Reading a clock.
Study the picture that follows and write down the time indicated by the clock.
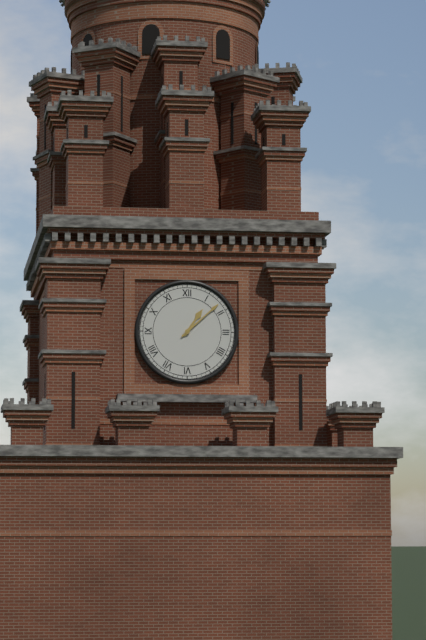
1:08
